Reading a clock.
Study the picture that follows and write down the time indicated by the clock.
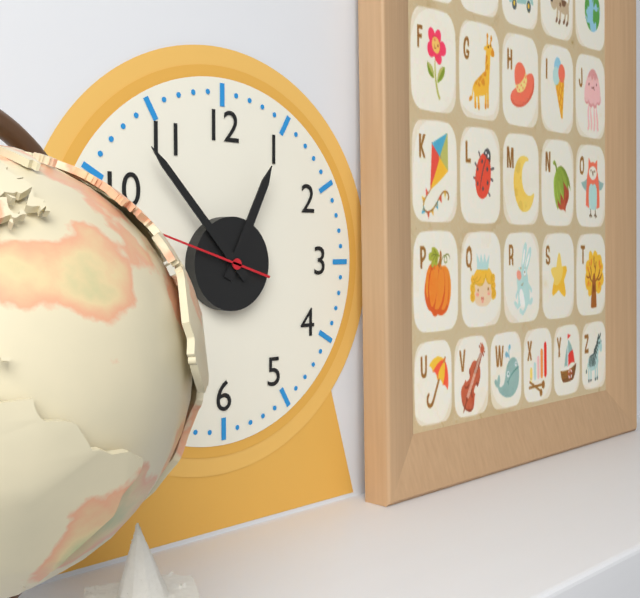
12:53:48
